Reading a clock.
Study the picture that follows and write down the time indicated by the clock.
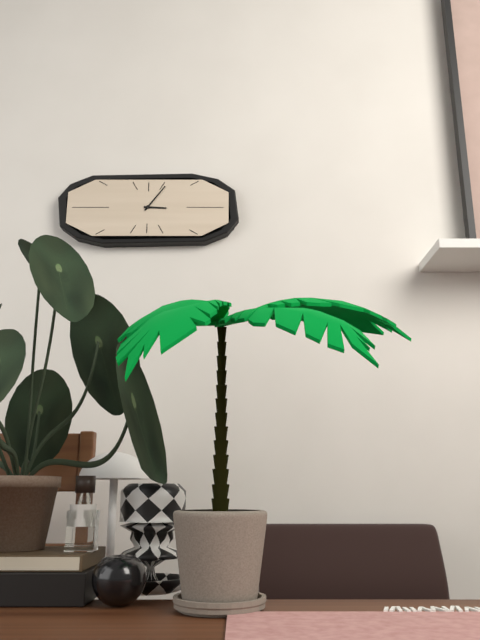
3:06
